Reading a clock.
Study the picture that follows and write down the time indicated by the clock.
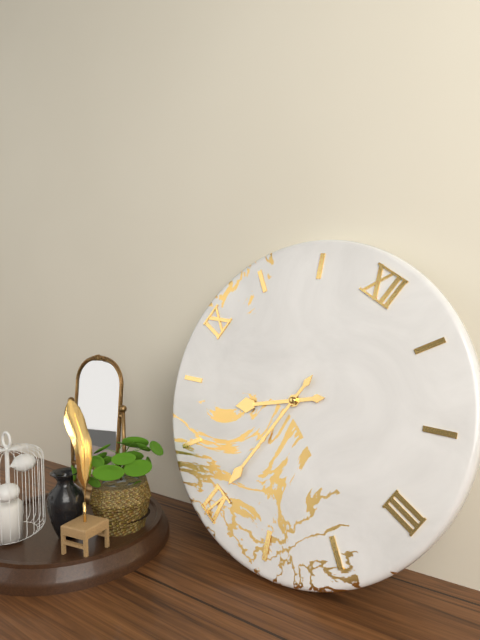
7:30
